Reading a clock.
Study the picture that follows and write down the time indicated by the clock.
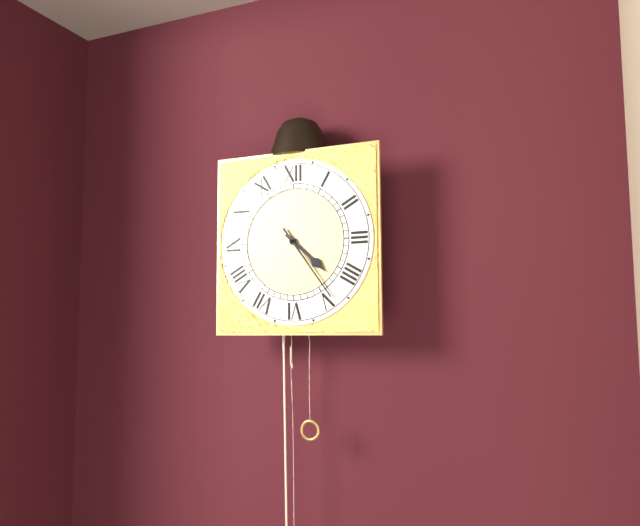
4:24
